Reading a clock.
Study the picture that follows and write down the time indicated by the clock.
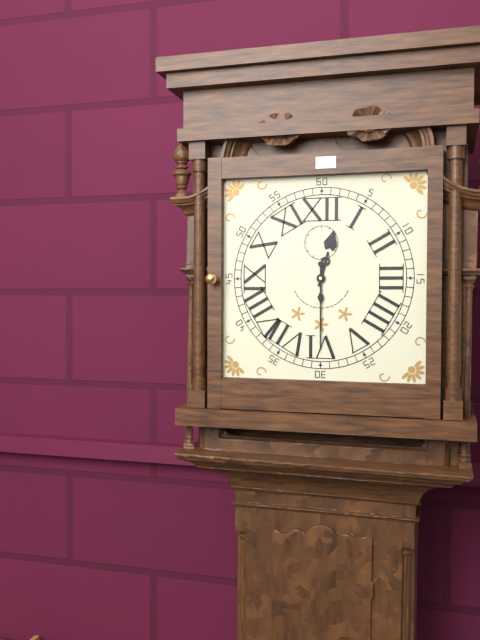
12:30
